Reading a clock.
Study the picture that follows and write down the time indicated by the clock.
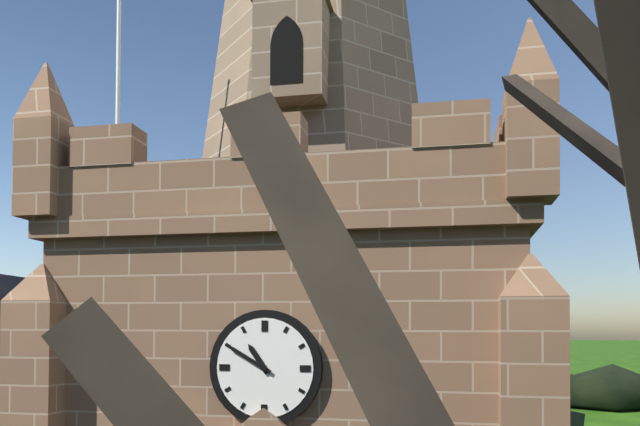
10:50
